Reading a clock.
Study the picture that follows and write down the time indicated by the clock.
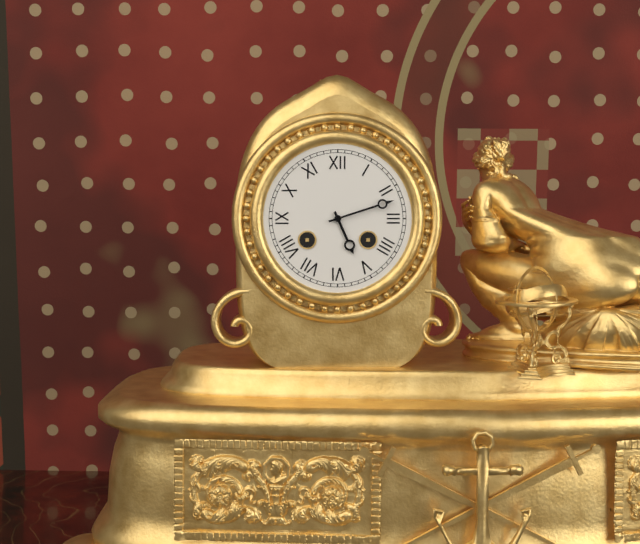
5:12
